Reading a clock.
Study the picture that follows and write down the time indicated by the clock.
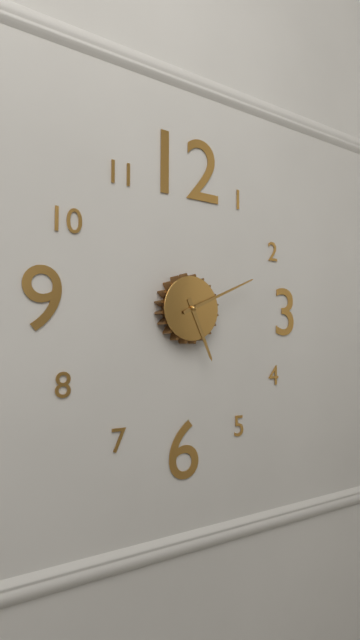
5:11
